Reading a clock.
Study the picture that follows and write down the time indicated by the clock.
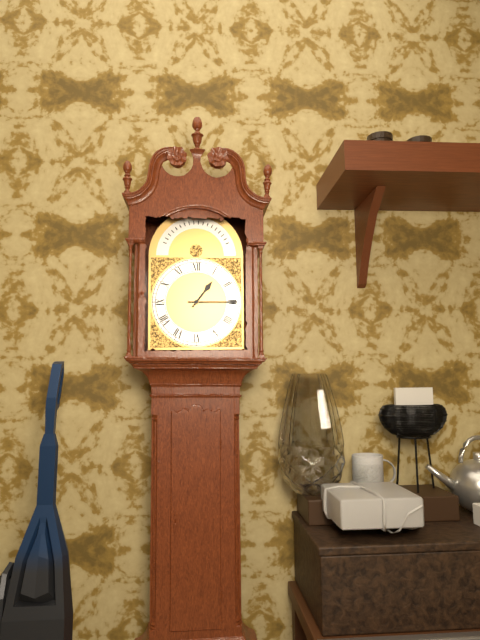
1:15
